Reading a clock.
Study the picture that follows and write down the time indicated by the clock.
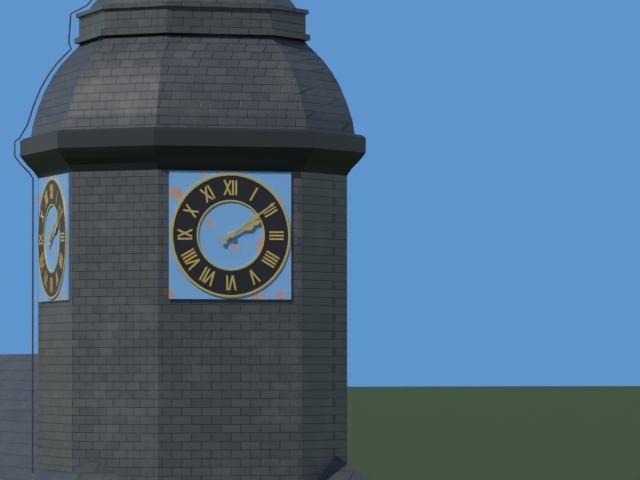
2:09
